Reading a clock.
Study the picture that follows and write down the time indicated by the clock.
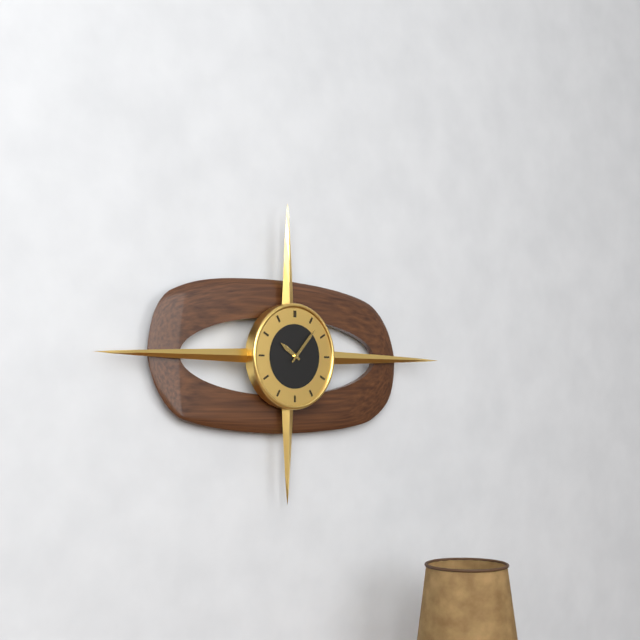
10:07
